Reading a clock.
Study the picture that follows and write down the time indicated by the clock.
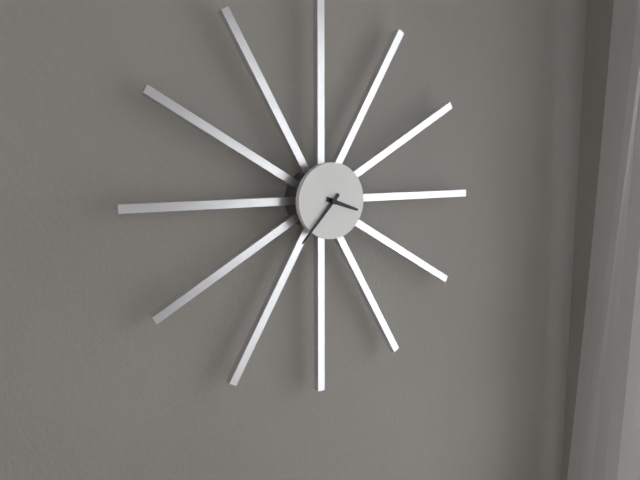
3:37
